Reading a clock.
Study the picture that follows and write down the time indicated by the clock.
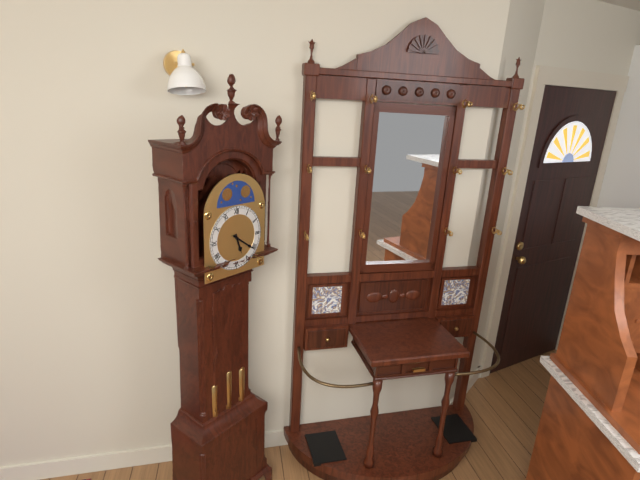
5:21
